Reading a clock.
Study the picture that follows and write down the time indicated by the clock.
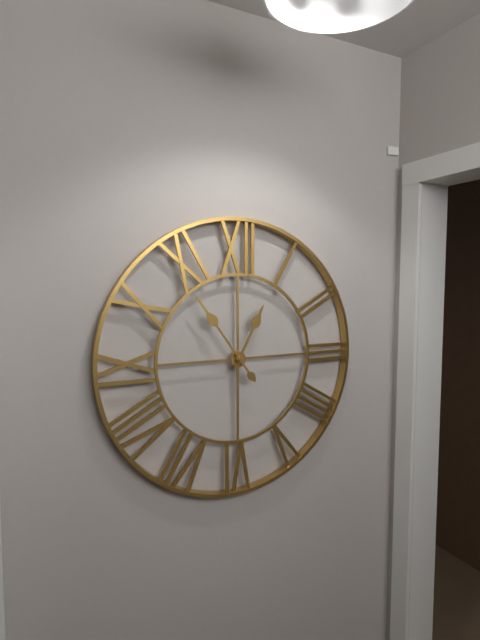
12:54
